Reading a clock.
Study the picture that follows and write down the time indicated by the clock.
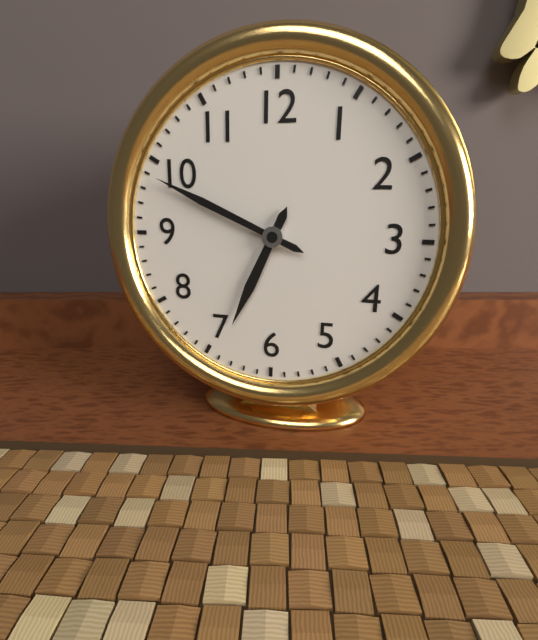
6:49
